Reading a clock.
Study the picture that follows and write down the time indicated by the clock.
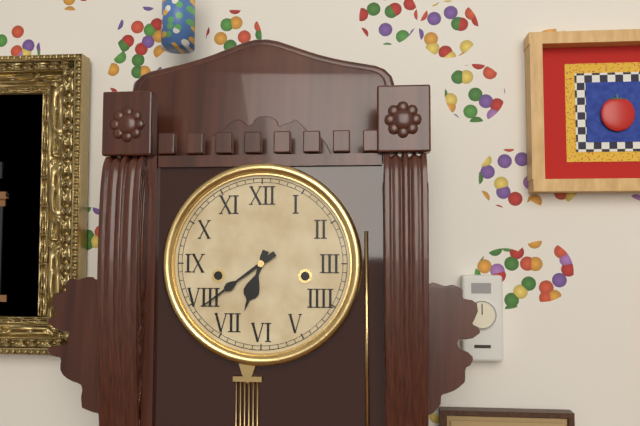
6:39
